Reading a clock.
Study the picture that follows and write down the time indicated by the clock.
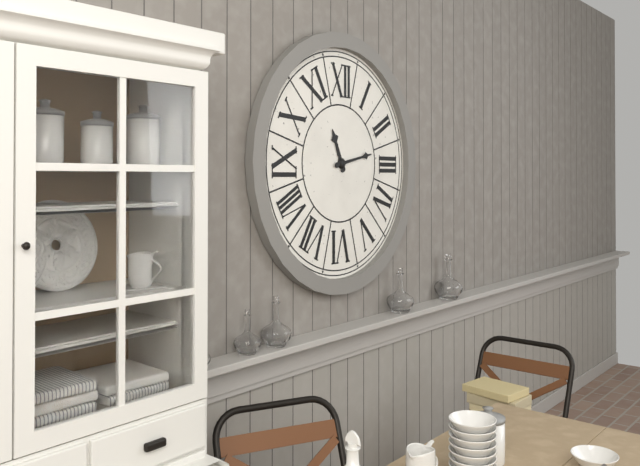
11:13
